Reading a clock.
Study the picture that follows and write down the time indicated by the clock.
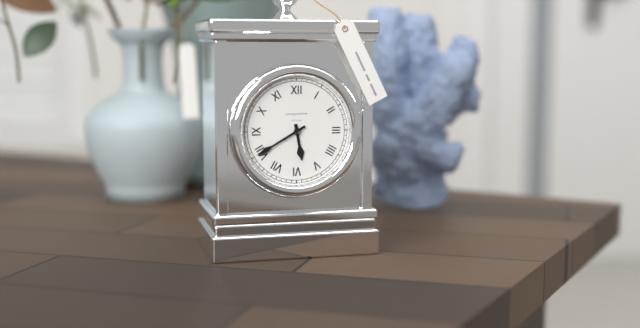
5:40
